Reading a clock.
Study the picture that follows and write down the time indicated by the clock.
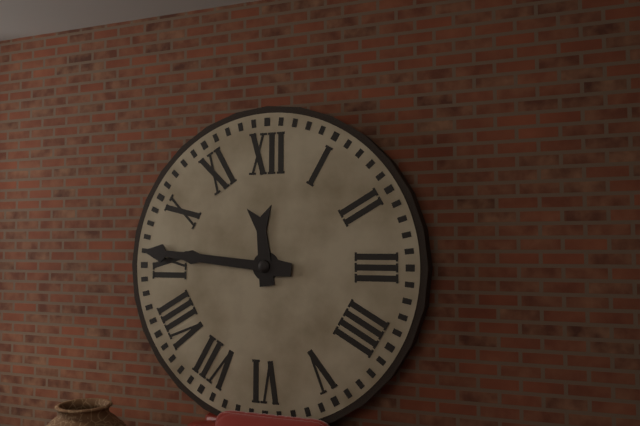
11:46
